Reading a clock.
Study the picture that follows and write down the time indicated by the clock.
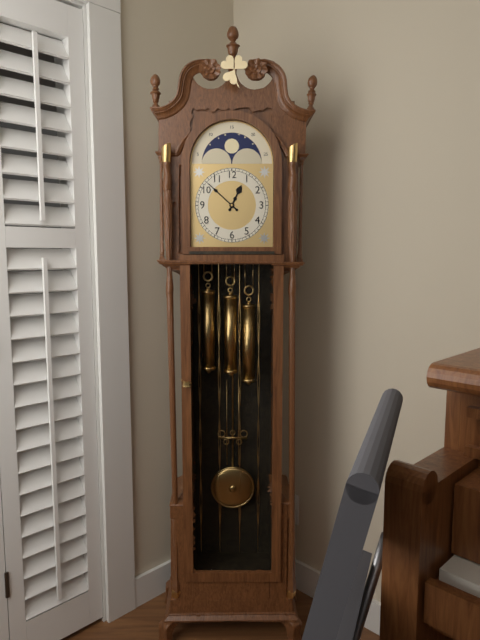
12:52
